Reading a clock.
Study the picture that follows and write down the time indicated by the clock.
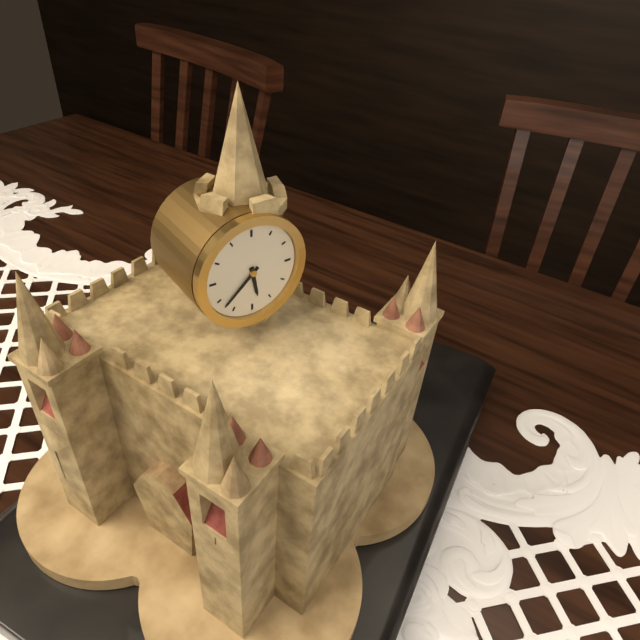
5:38
